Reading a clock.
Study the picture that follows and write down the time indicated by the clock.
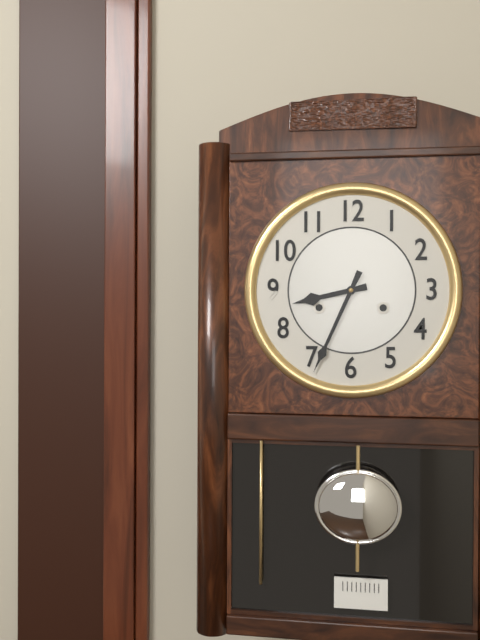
8:34
